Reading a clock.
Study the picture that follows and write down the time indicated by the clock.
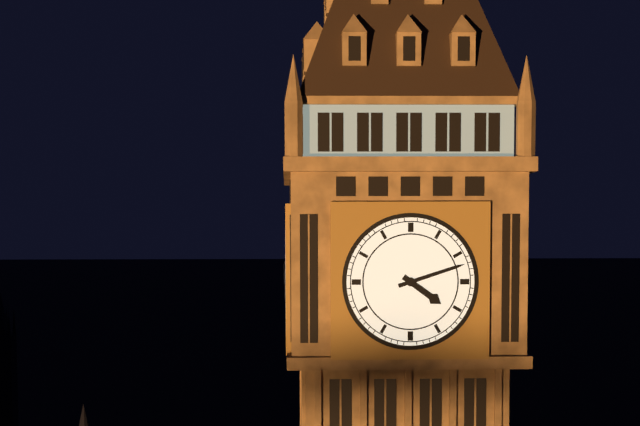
4:12
